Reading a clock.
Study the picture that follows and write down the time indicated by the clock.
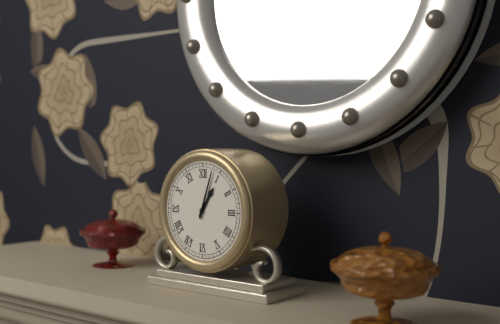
1:03
